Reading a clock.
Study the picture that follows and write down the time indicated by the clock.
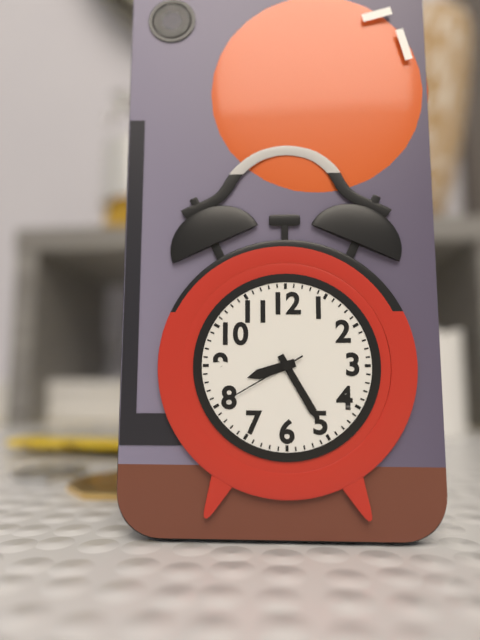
8:25:40
